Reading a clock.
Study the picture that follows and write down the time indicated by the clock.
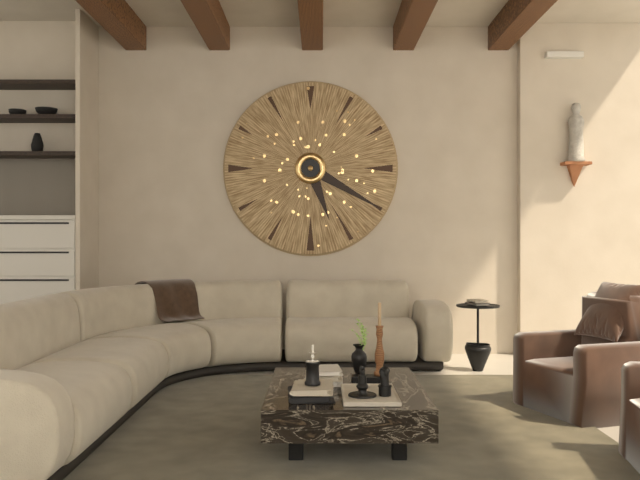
5:20
